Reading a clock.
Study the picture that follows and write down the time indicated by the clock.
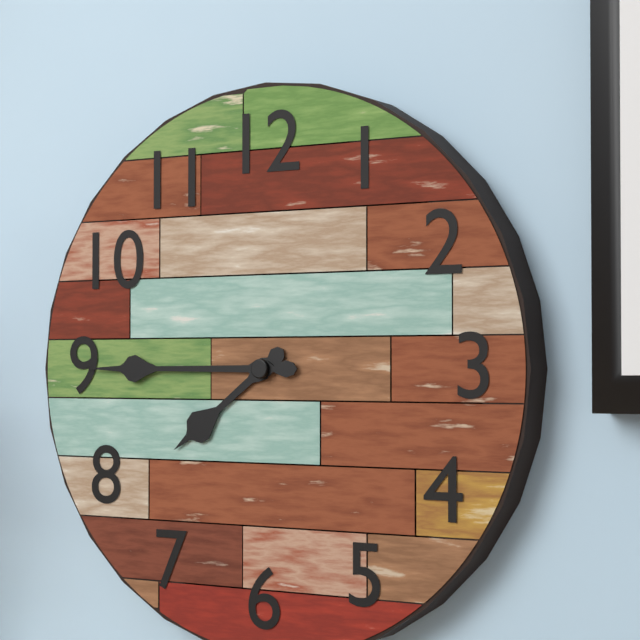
7:45
